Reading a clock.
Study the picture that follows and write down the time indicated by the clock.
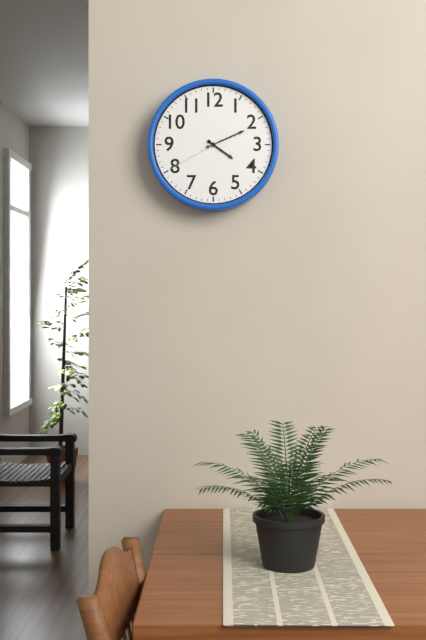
4:11:40
